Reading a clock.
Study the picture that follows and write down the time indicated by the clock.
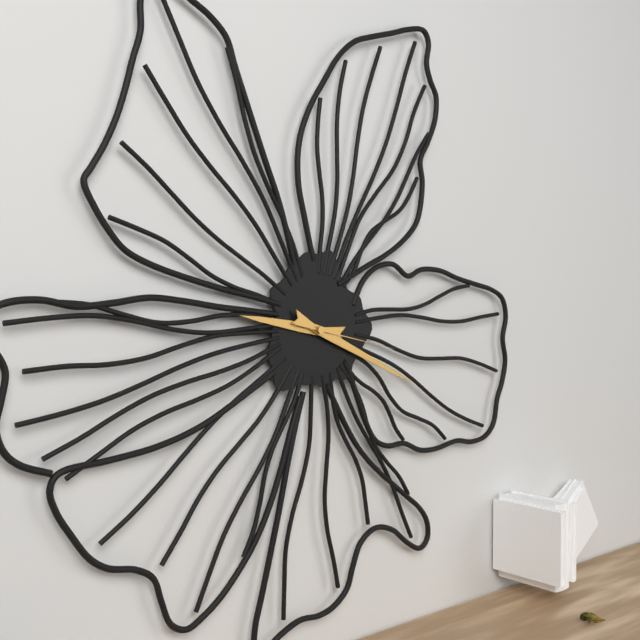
9:19:17
